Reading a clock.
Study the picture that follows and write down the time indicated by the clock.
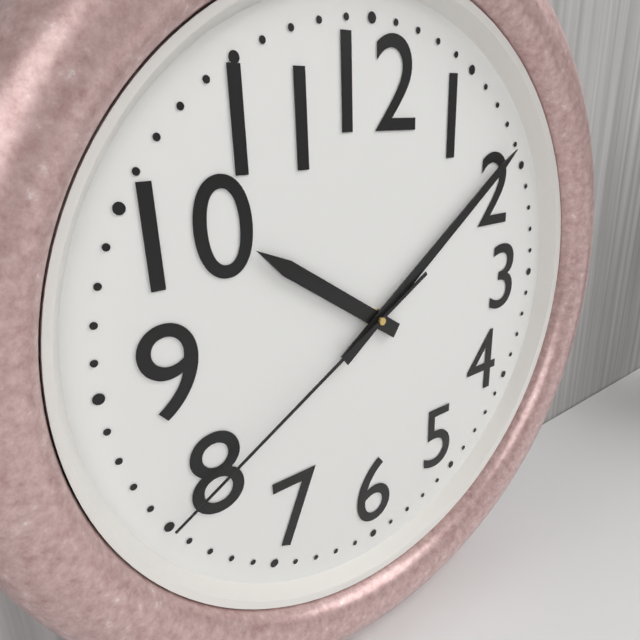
10:09:40
